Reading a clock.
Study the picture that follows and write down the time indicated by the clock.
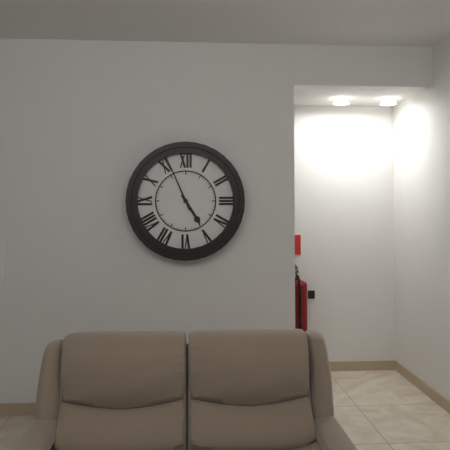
4:56
